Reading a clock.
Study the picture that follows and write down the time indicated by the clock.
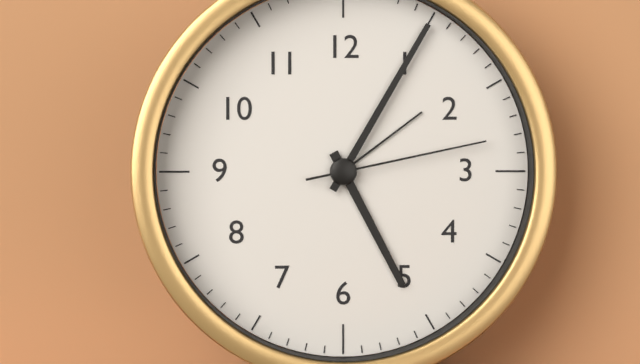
5:05:13
